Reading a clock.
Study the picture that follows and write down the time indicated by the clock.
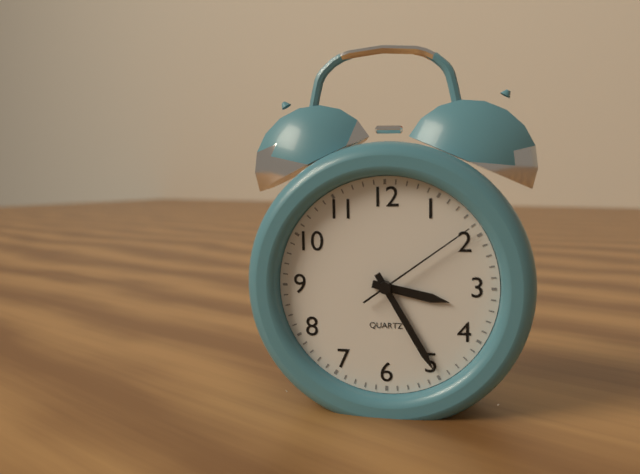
3:25:09
